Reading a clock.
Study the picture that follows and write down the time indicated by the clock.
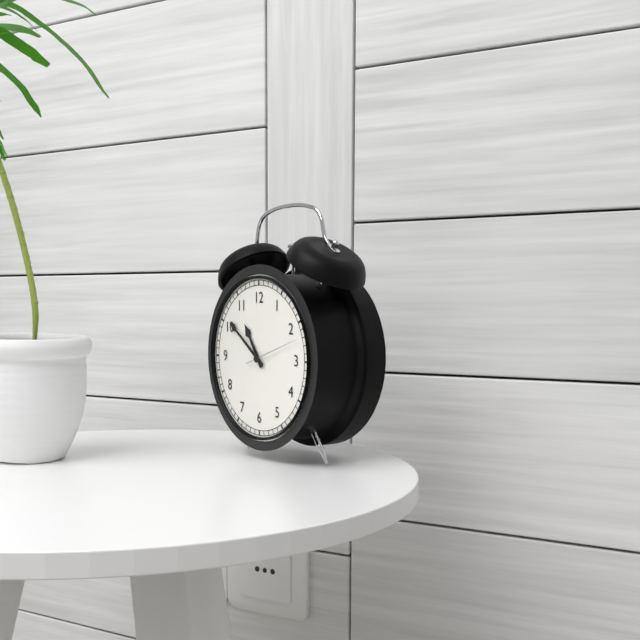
10:51:12
